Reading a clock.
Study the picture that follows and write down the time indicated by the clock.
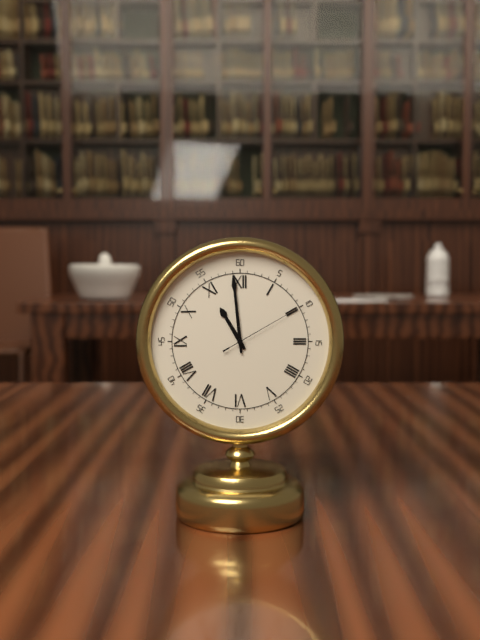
10:59:10
